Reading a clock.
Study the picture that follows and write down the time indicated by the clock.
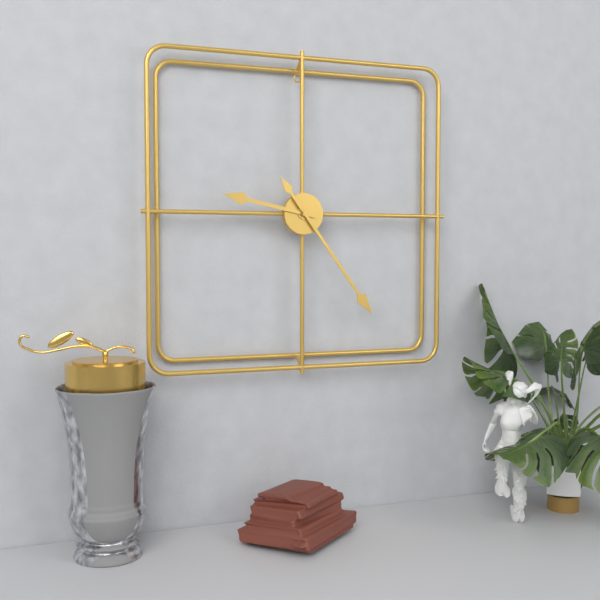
9:24
